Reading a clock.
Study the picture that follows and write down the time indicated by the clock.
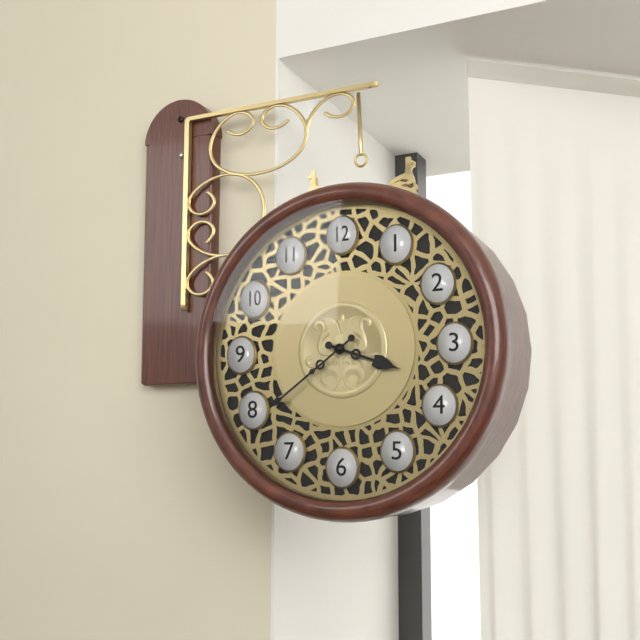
3:39
